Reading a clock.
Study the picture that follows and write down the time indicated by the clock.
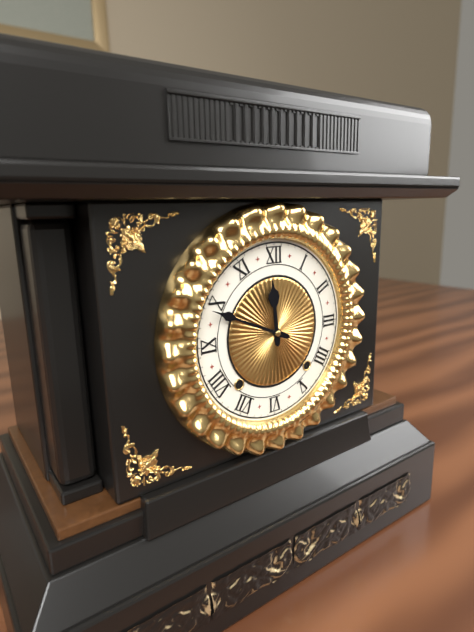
11:49
